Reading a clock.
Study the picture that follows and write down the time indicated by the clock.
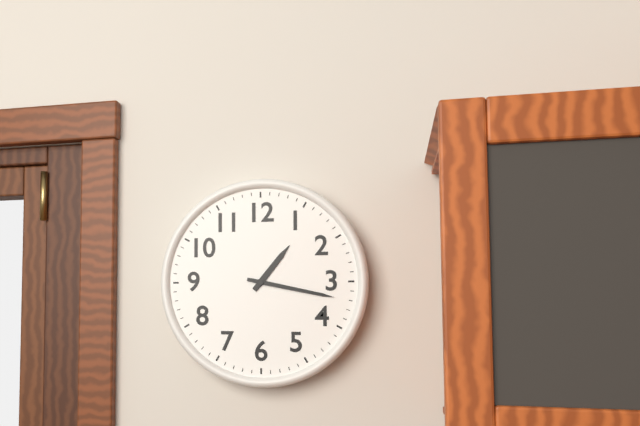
1:17
